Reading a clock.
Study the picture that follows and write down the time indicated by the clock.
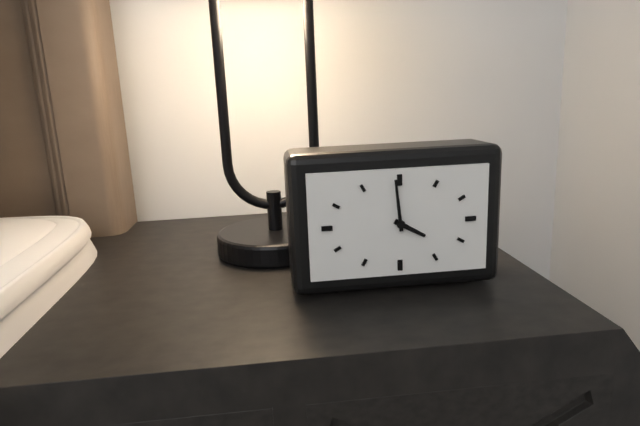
3:59
